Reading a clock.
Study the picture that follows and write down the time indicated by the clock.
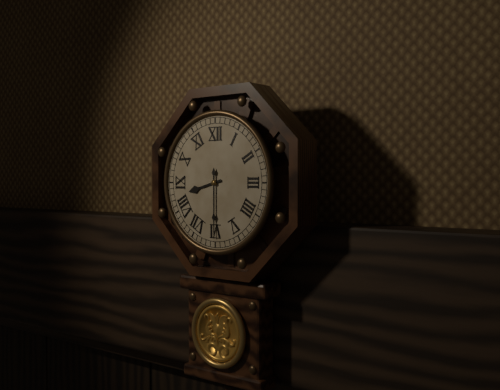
8:30
